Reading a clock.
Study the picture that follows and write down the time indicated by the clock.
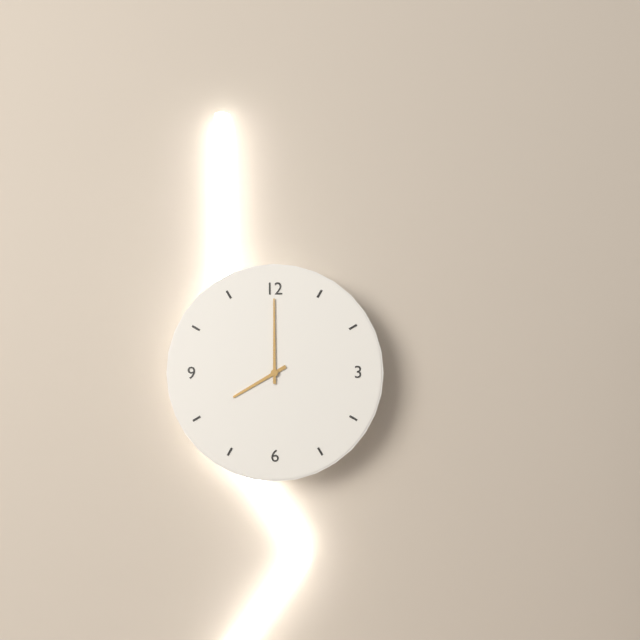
8:00
